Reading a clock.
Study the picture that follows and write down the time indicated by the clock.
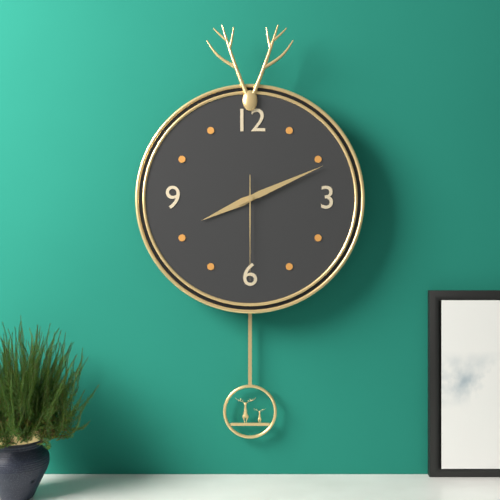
8:11:30
